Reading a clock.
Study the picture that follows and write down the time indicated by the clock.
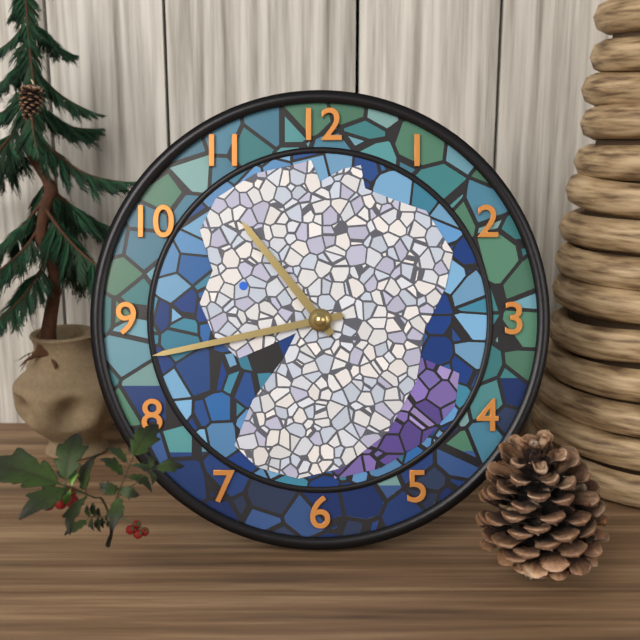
10:43
